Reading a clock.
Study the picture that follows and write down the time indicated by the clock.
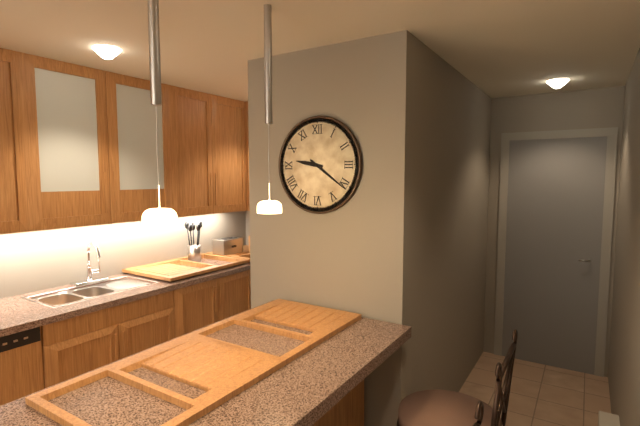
9:21
